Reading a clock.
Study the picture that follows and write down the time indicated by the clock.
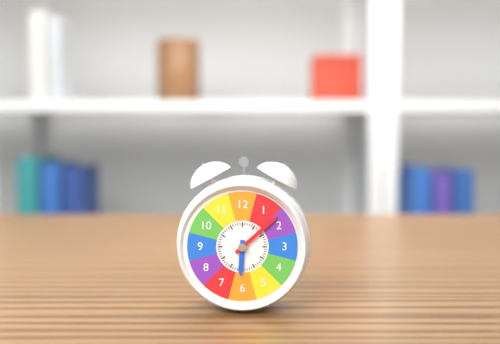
6:08
